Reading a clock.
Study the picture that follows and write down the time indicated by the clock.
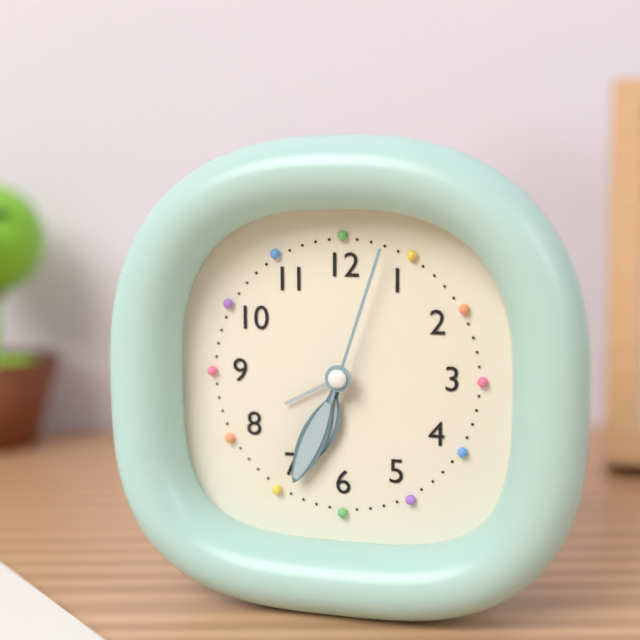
6:34:03
